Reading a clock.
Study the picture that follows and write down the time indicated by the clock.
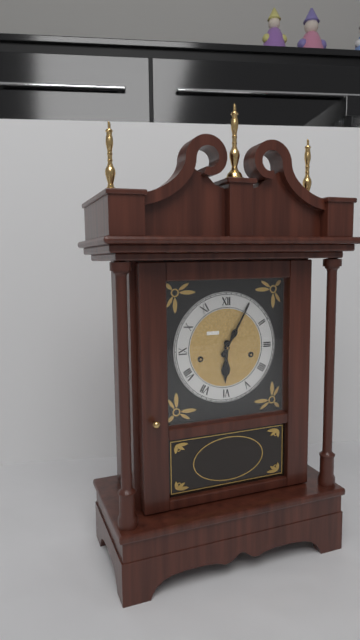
6:05
